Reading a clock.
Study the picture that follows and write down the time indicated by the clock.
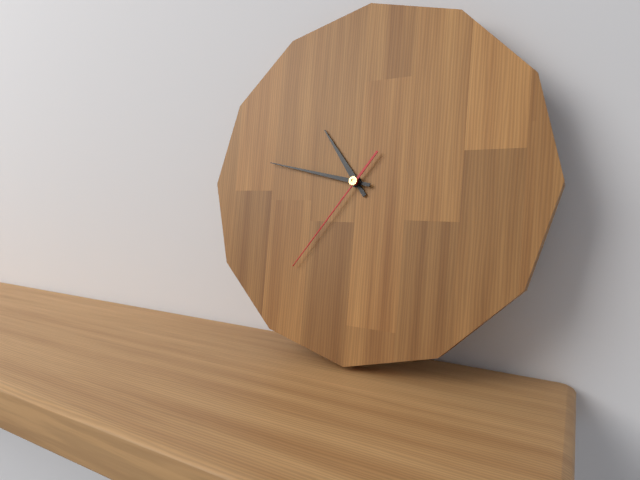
10:47:36
